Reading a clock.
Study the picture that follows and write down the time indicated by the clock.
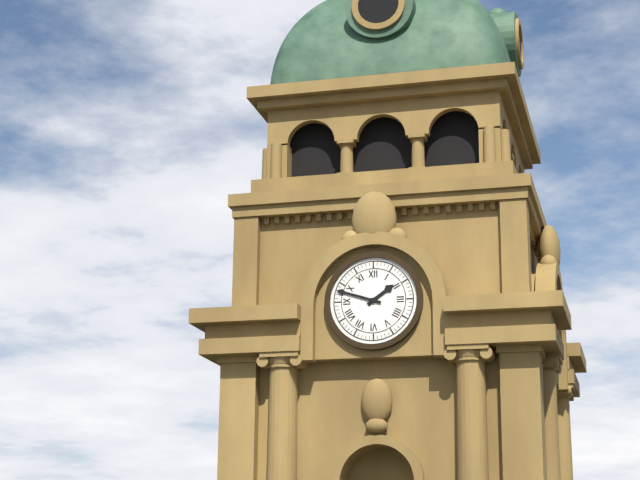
1:48
